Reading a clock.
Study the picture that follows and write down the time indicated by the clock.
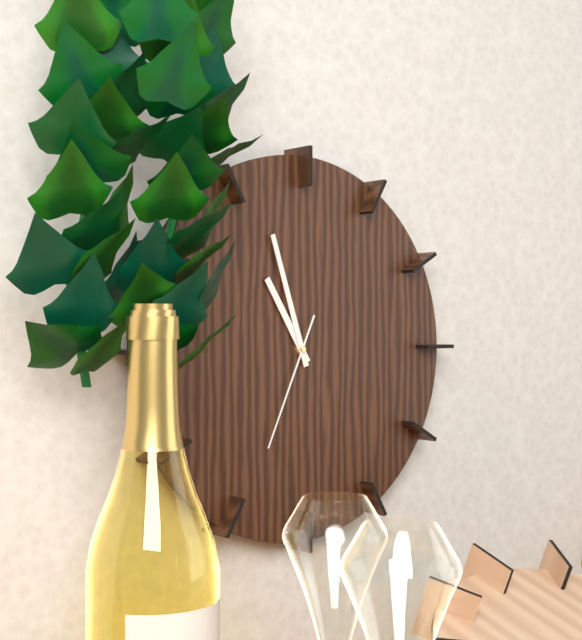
10:57:34
